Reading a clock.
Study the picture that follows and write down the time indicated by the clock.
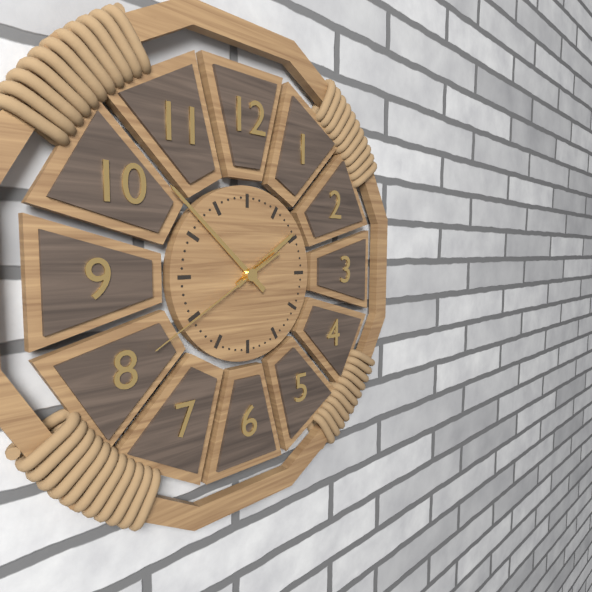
1:52:40
